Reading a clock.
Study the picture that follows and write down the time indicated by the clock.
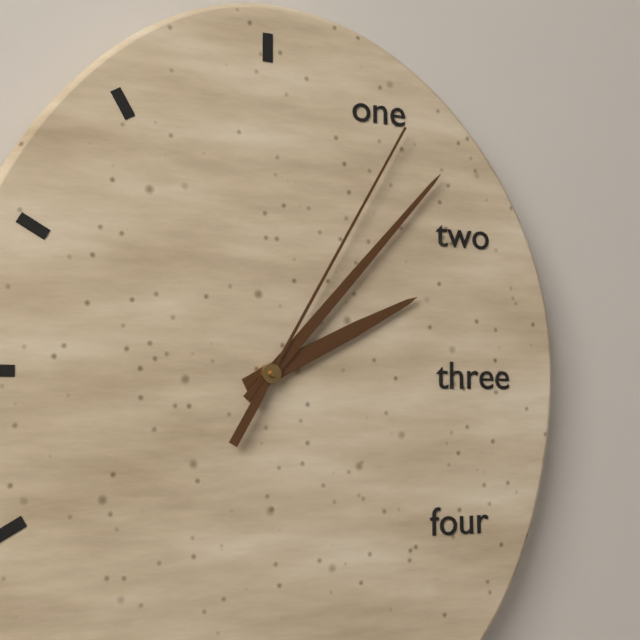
2:07:05
